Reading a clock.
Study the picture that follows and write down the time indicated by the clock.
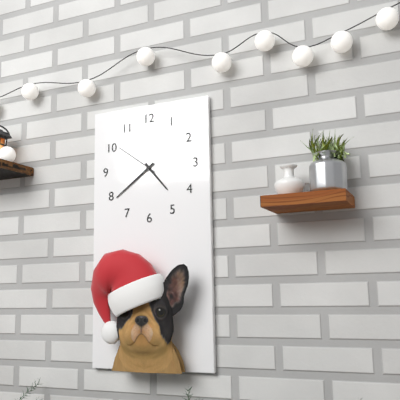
4:39
